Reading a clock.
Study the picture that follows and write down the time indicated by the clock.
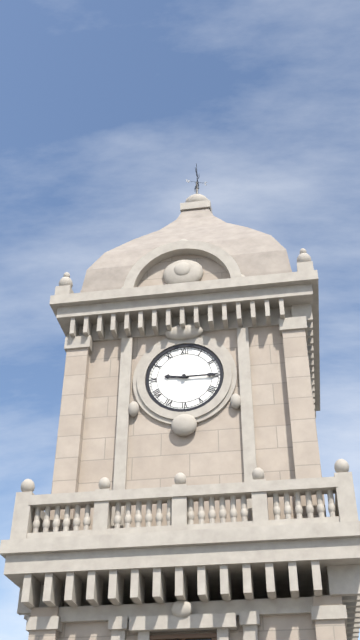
9:15
